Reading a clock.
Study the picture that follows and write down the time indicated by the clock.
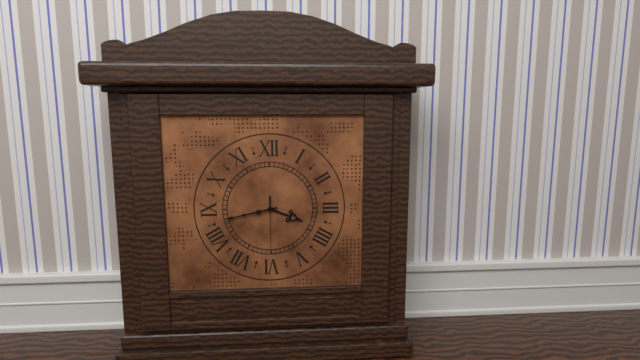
3:43:30
